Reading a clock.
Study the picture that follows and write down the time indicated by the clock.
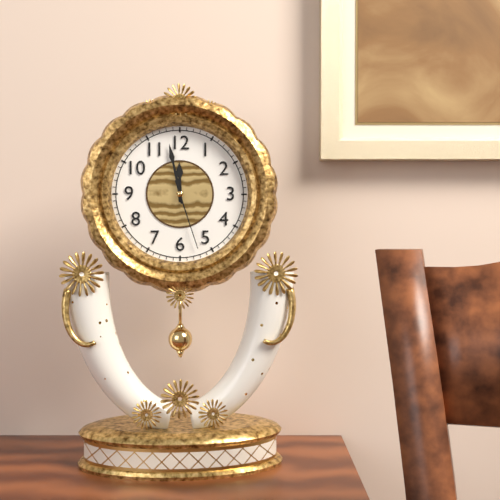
11:58:27
